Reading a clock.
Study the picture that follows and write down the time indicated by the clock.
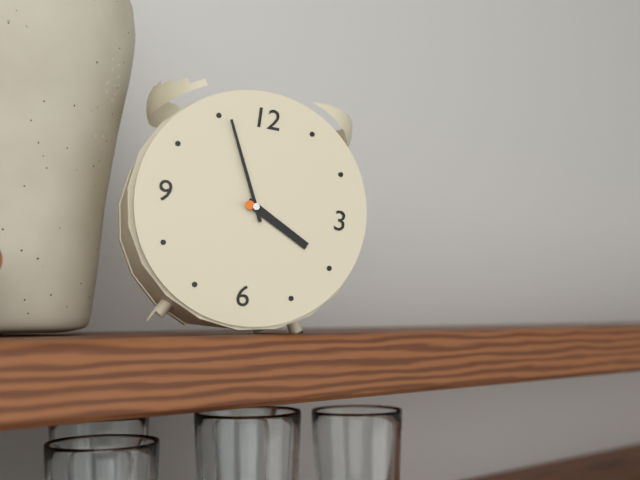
3:56
